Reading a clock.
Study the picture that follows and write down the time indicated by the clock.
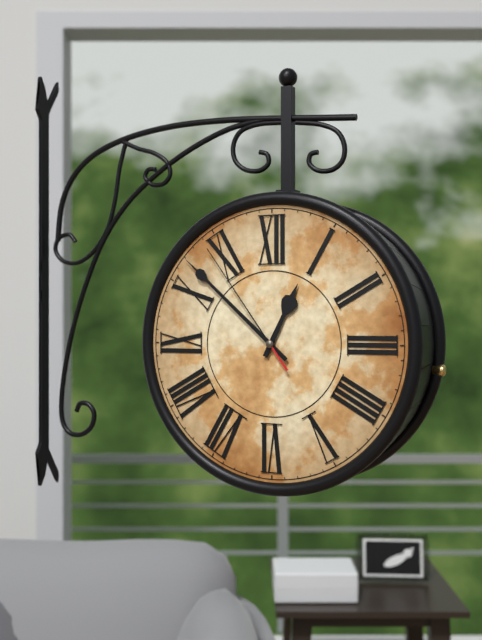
12:52:54
